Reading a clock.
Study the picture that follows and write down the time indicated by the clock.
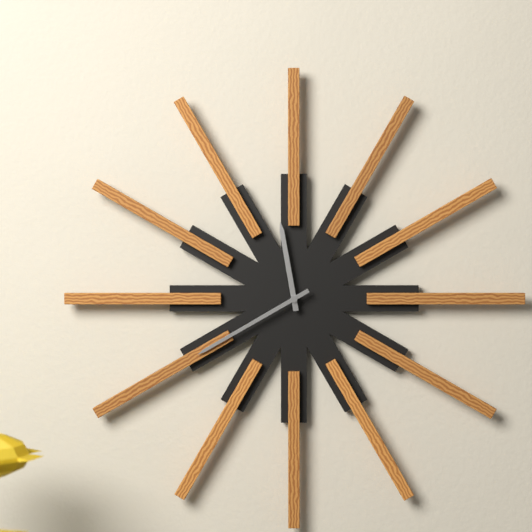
11:40
